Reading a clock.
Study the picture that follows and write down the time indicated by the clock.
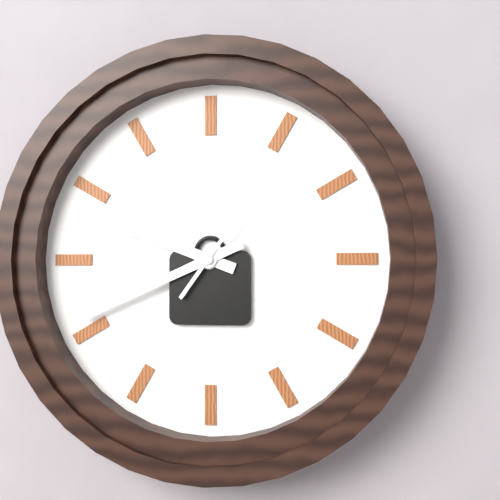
9:41:06
